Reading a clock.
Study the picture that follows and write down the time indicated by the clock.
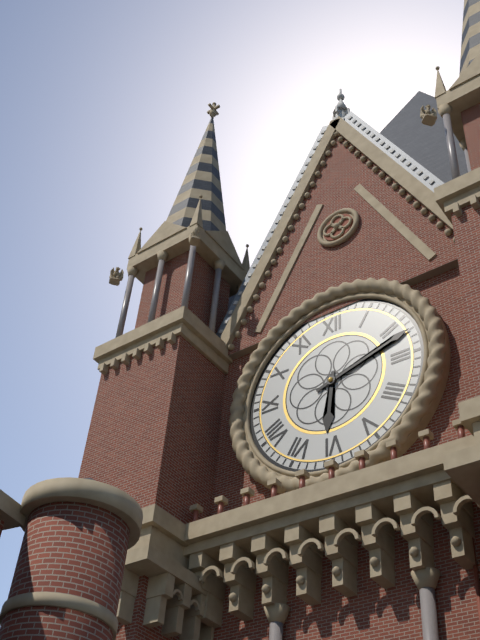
6:12
